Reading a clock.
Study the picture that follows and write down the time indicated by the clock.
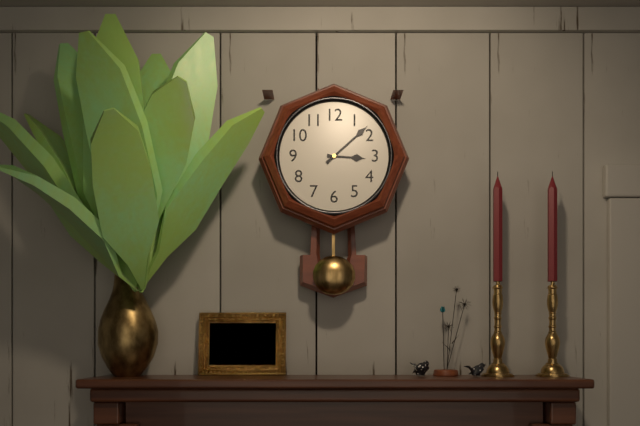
3:08
